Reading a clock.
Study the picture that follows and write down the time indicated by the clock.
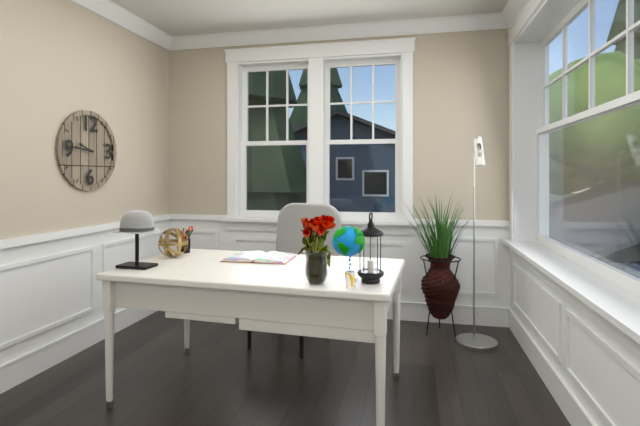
9:46
